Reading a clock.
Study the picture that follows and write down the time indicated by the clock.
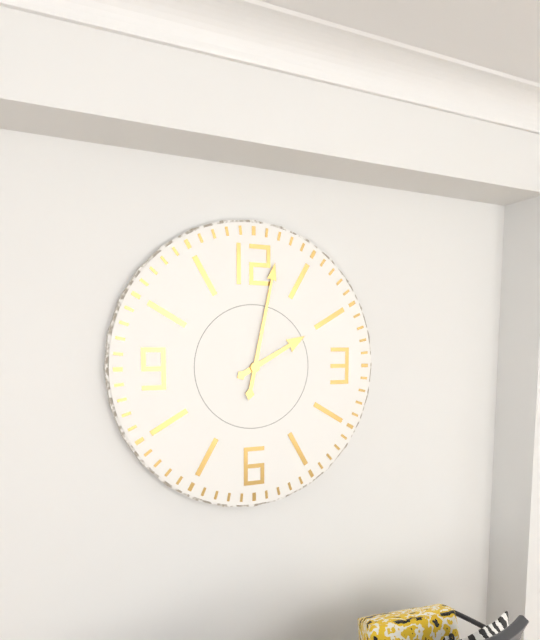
2:02
